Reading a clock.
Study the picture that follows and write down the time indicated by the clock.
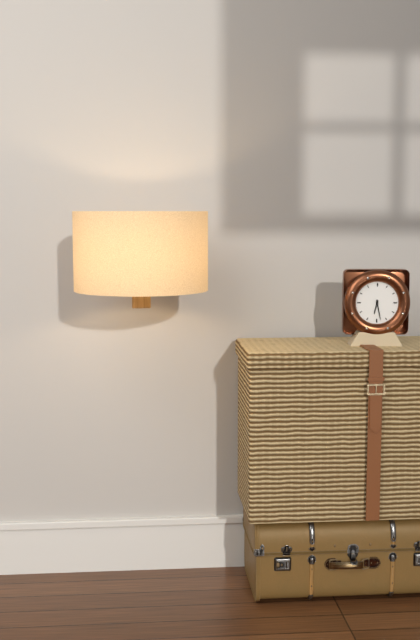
6:28
